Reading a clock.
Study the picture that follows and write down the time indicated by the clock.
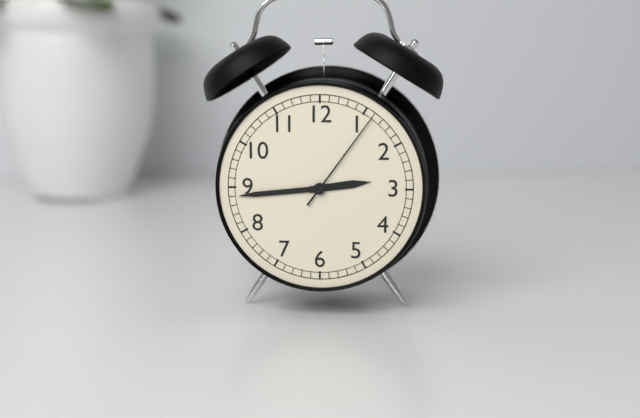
2:44:06
